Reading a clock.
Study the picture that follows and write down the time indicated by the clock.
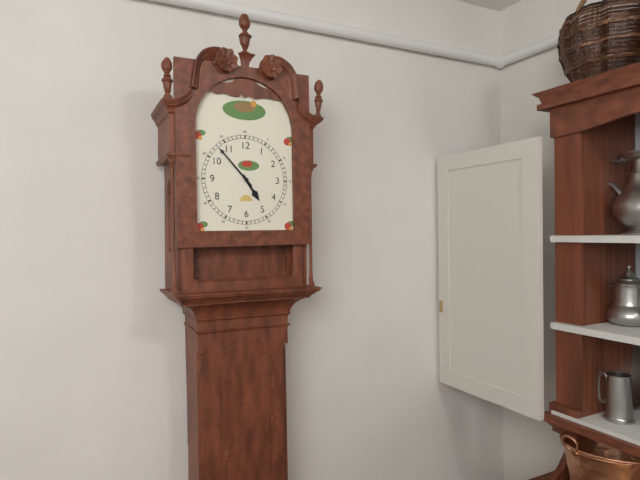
4:53
